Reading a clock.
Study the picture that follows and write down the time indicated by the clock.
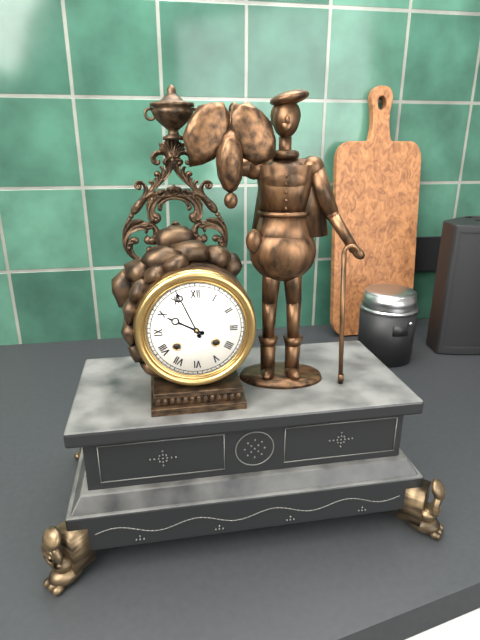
9:56
